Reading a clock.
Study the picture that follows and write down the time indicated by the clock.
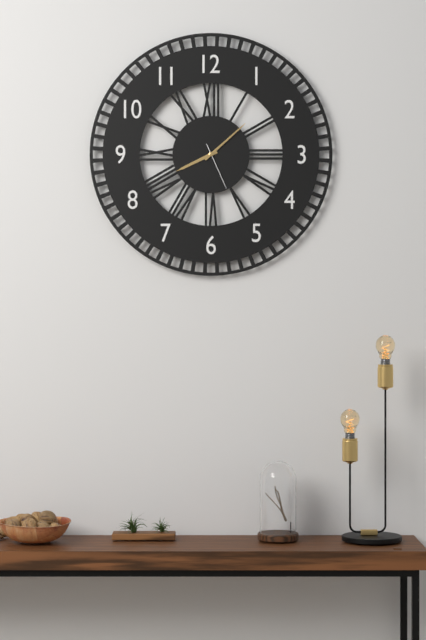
8:08:26
